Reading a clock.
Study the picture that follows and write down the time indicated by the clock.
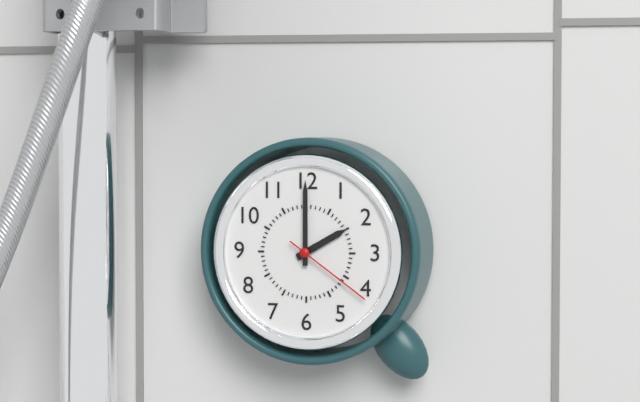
2:00:21
